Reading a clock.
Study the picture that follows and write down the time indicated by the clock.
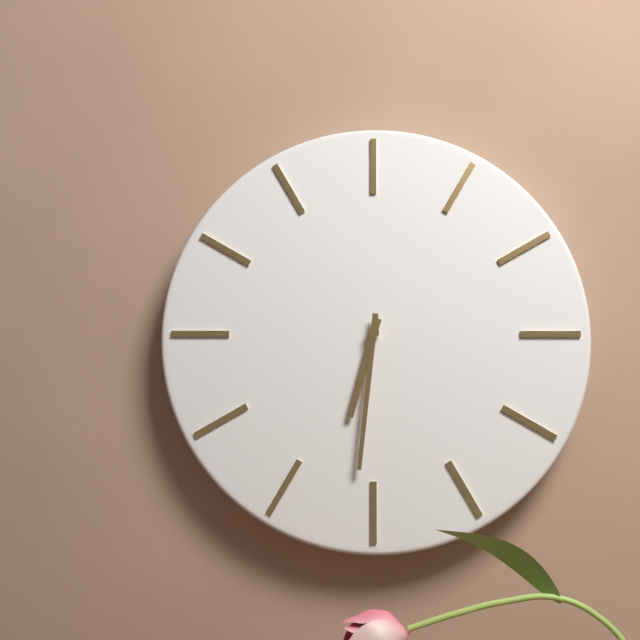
6:31
